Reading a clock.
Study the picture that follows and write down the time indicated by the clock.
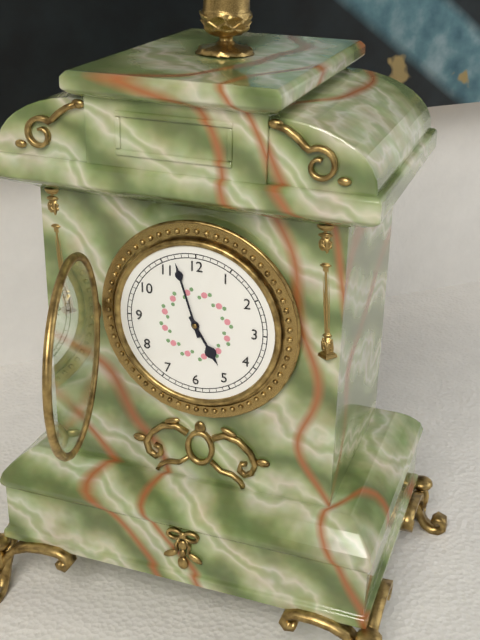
4:57
